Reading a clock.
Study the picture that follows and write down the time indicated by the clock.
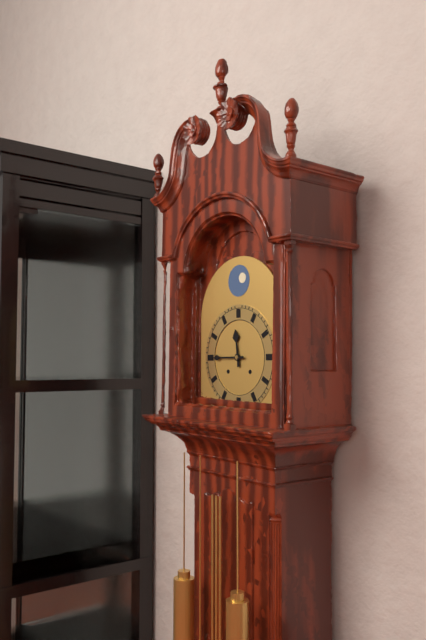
11:45
